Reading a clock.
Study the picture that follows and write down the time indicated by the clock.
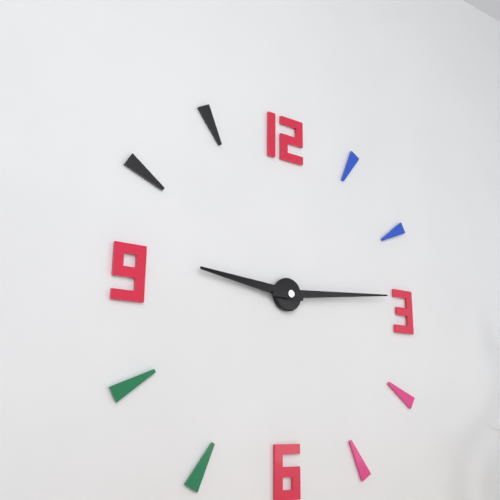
9:14
